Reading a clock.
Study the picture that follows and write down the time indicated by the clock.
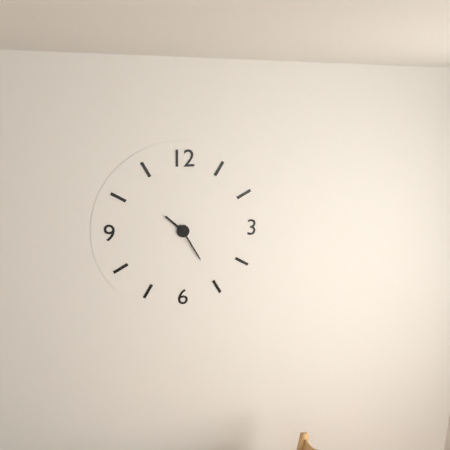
10:25
